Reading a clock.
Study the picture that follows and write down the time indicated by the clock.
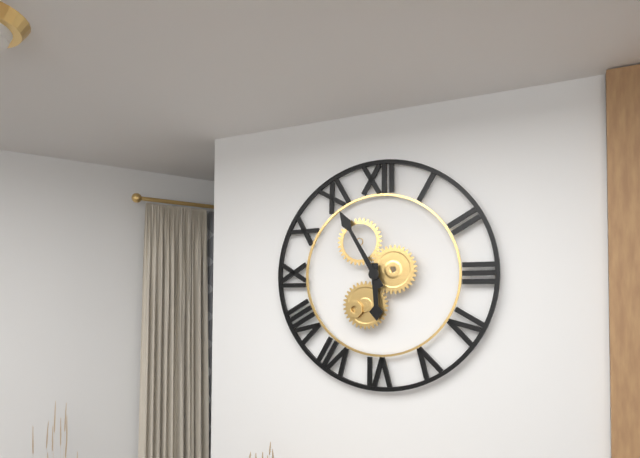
5:55
